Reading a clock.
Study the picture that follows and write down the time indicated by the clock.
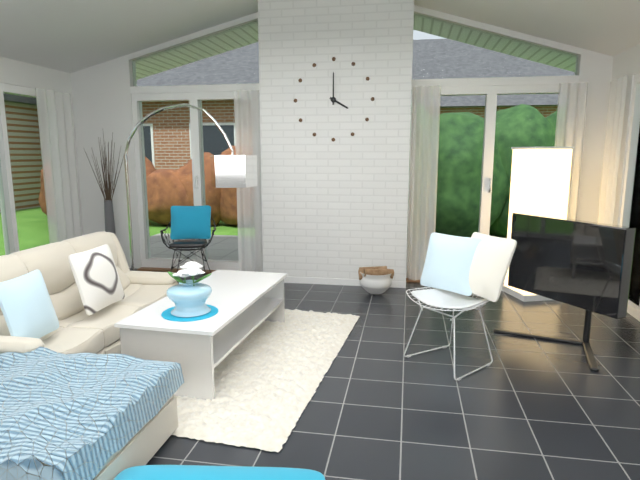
4:00
